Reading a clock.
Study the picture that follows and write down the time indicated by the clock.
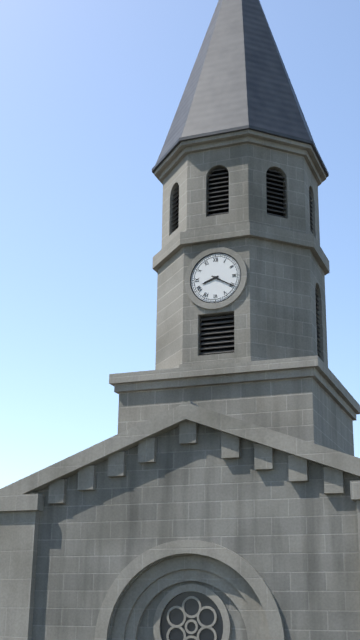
8:20
